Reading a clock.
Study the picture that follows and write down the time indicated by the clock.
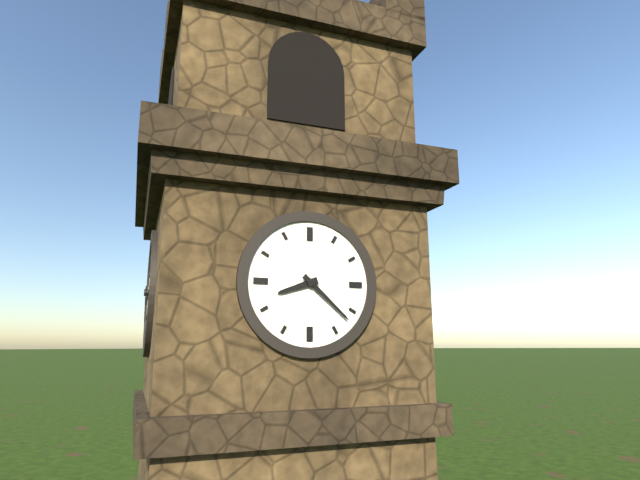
8:22
